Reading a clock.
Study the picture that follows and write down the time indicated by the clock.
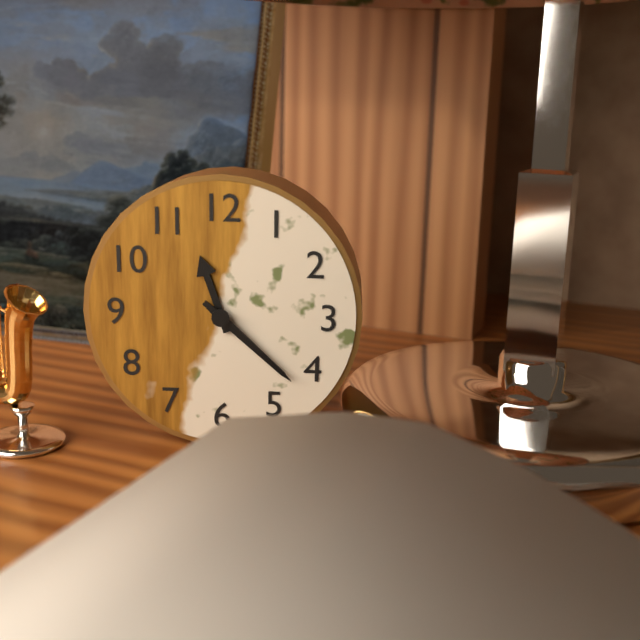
11:22
